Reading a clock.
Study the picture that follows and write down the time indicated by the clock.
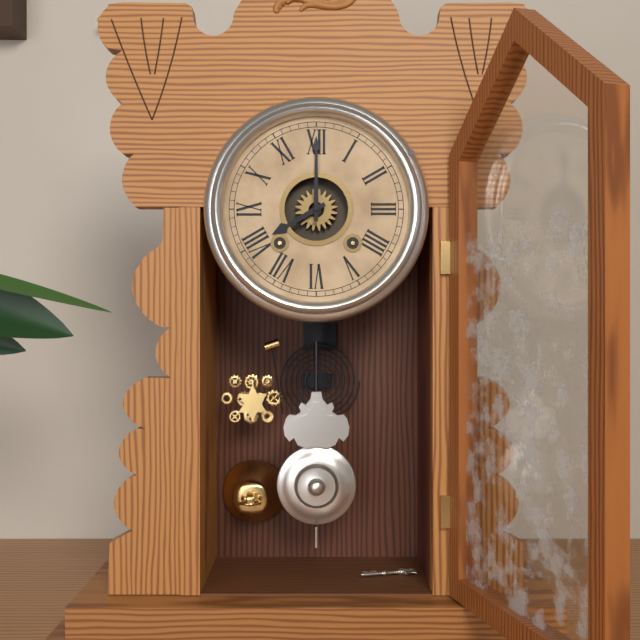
8:00
